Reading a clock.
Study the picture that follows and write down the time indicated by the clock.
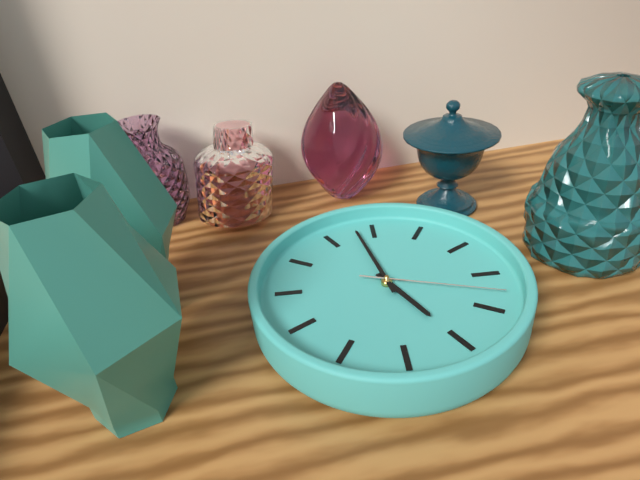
6:03:23
